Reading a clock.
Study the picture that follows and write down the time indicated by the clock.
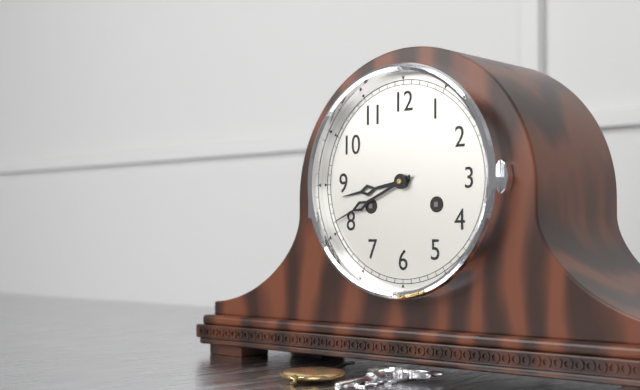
8:41
